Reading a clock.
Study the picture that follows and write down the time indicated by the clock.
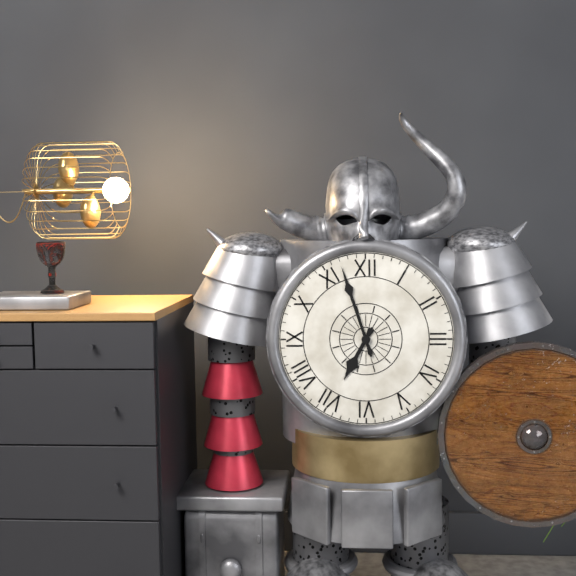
6:57
